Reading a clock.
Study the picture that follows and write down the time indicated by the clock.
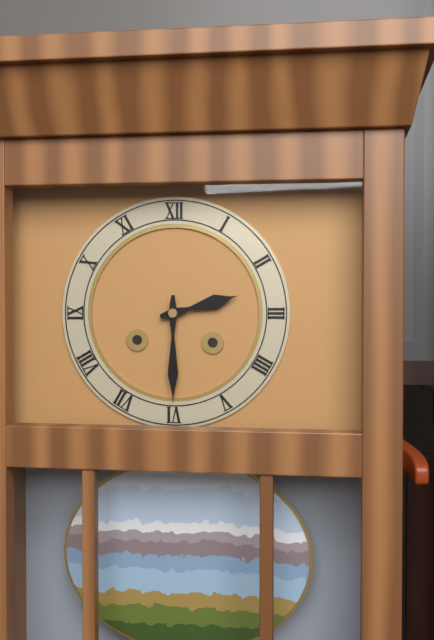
2:30
